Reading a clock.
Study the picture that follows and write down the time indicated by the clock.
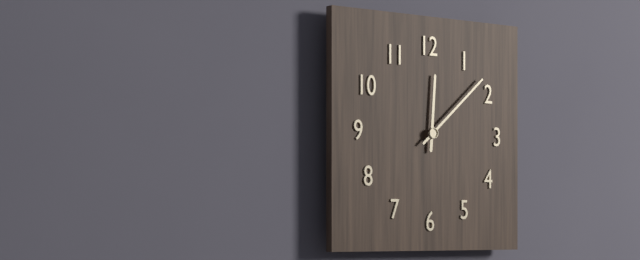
12:08
